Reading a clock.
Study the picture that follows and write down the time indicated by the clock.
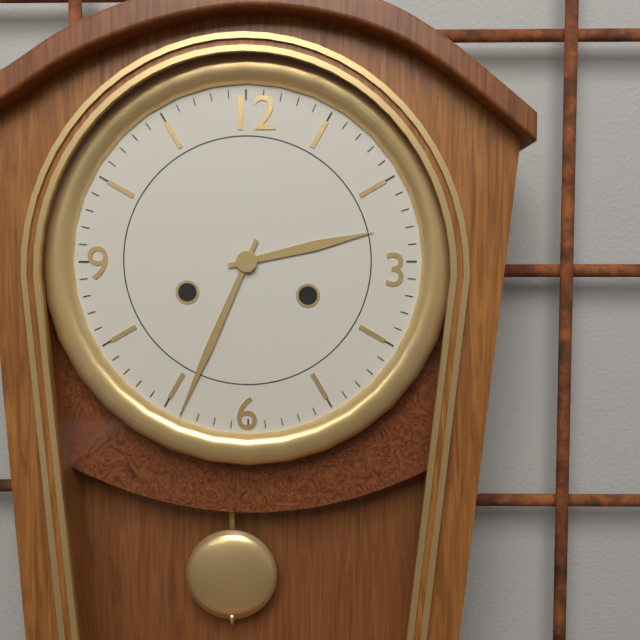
2:34
